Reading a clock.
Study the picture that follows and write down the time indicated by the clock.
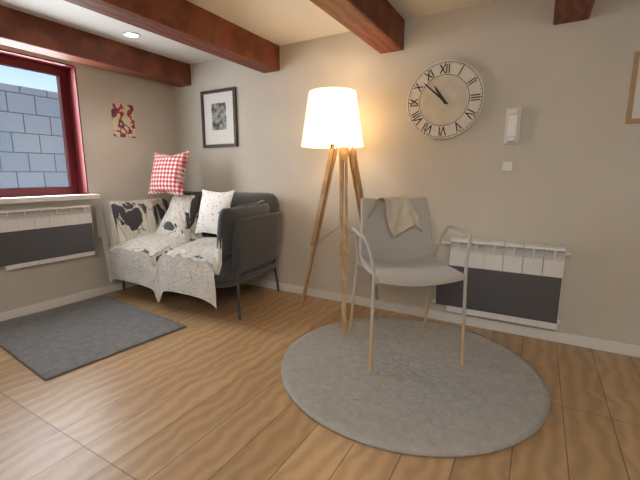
10:52
